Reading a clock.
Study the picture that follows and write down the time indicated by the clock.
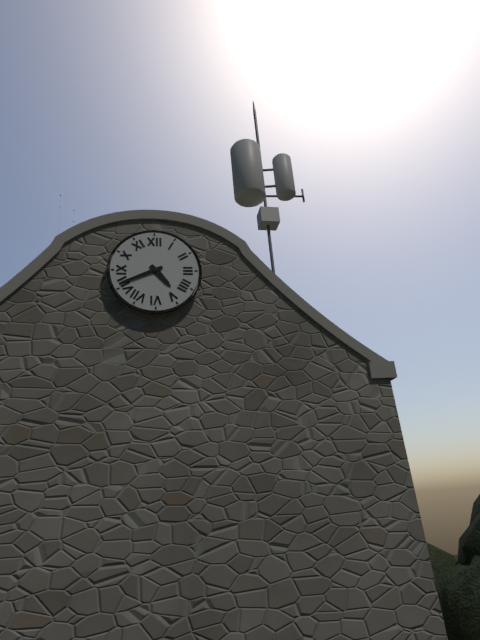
4:41
